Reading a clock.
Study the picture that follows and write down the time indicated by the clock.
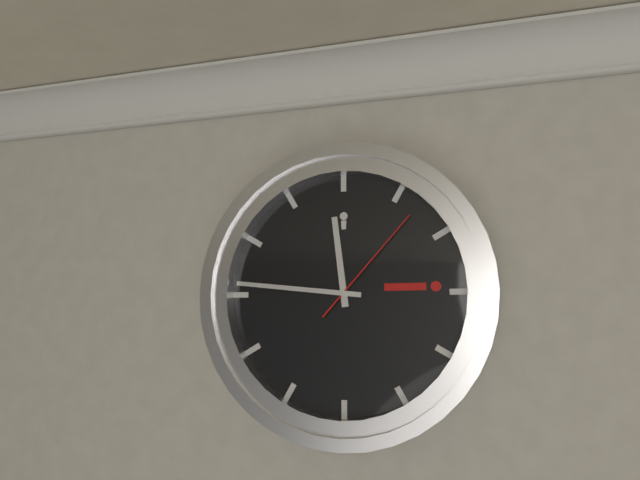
11:46:07
